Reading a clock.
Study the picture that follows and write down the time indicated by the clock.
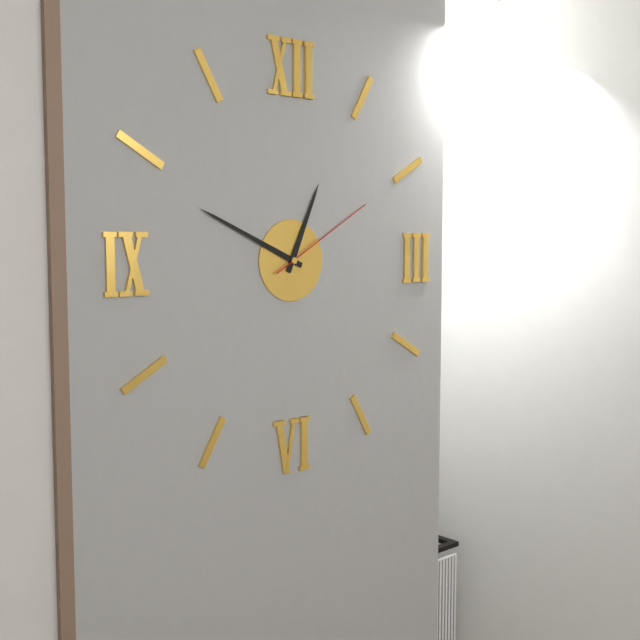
12:49:10
